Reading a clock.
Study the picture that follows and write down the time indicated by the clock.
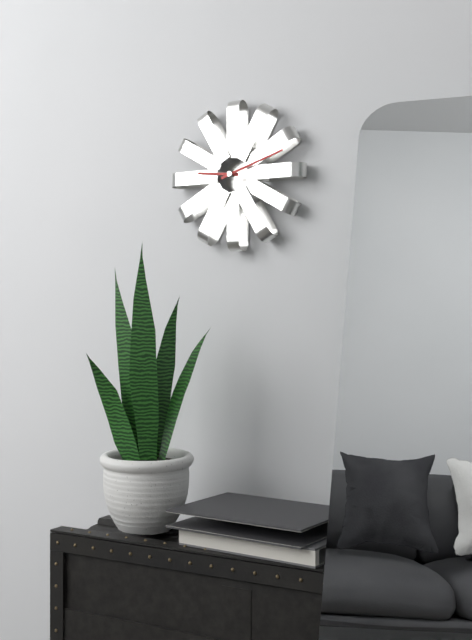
9:12
